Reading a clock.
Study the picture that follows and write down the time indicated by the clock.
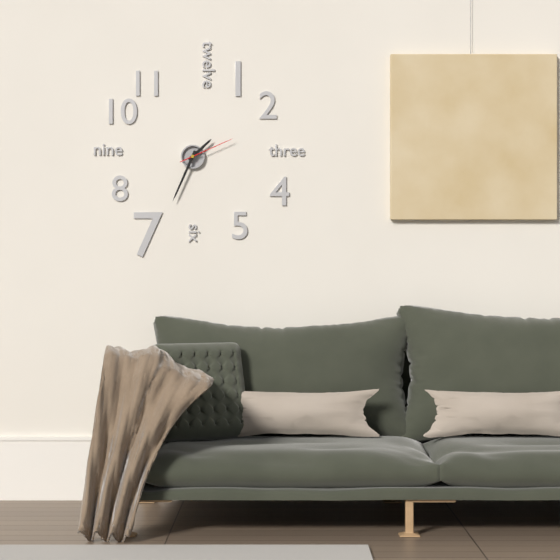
1:34:11
